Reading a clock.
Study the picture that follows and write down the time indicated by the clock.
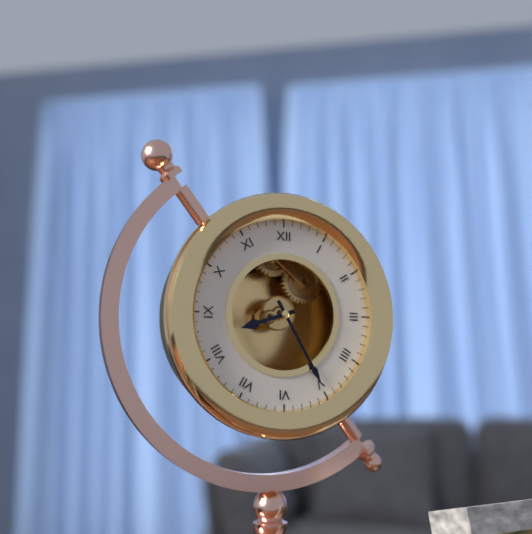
8:25
